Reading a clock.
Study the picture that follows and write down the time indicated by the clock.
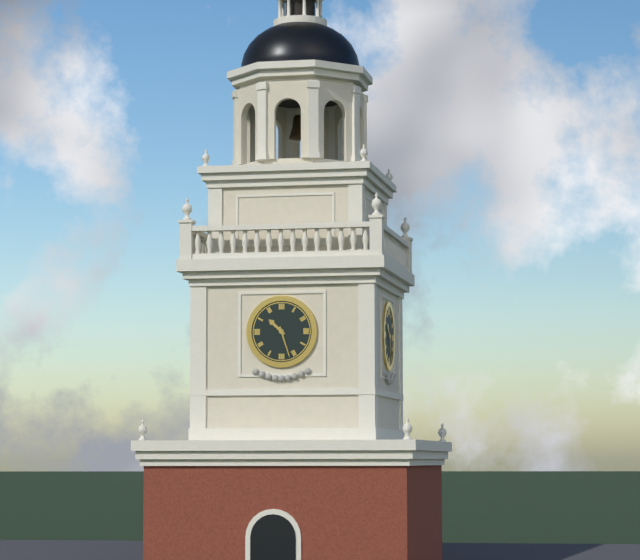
10:27
